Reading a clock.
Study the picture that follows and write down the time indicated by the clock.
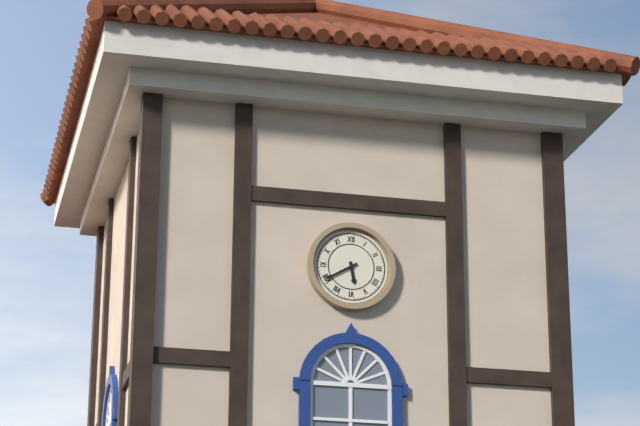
5:40
